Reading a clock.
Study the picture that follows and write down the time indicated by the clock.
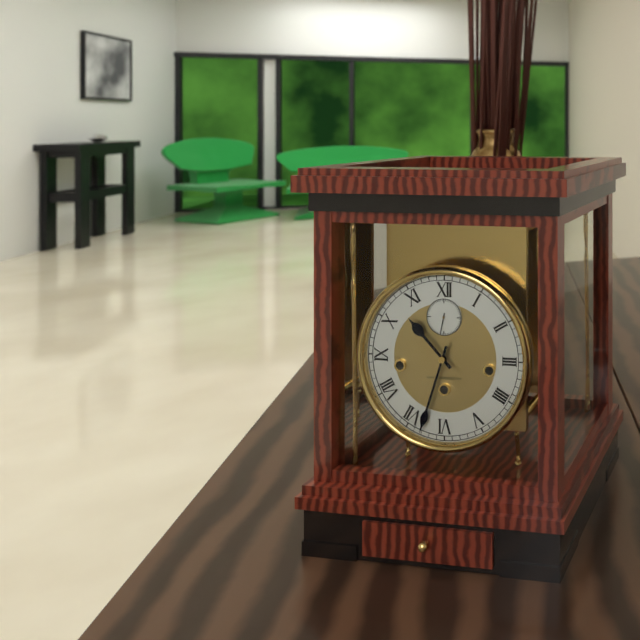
10:33
